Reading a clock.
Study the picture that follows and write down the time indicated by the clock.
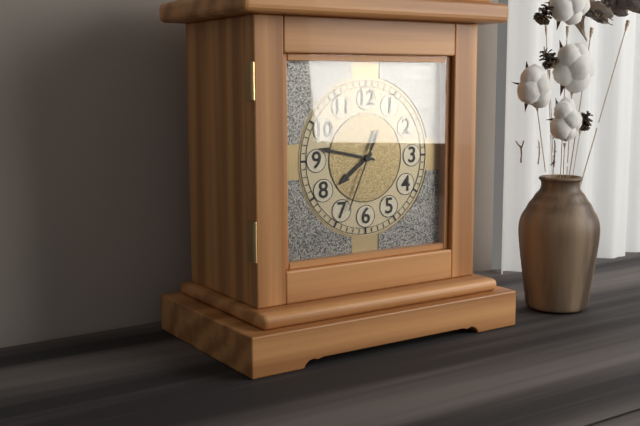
7:47:34
